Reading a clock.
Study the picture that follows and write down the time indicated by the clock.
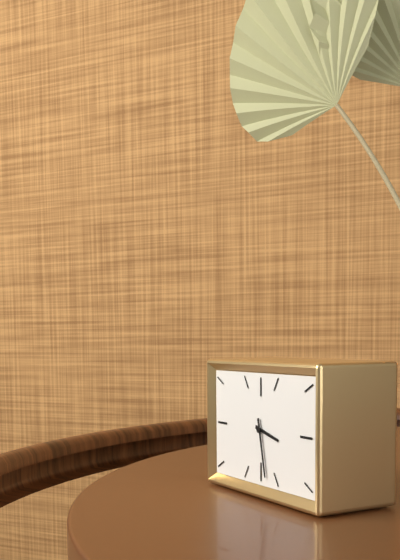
3:28
